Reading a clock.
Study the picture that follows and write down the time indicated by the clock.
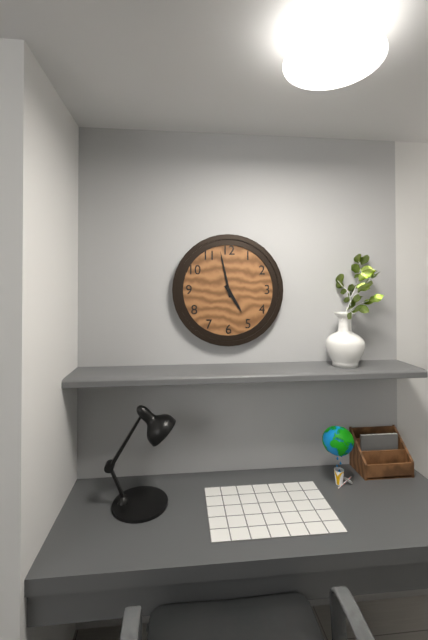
4:58
